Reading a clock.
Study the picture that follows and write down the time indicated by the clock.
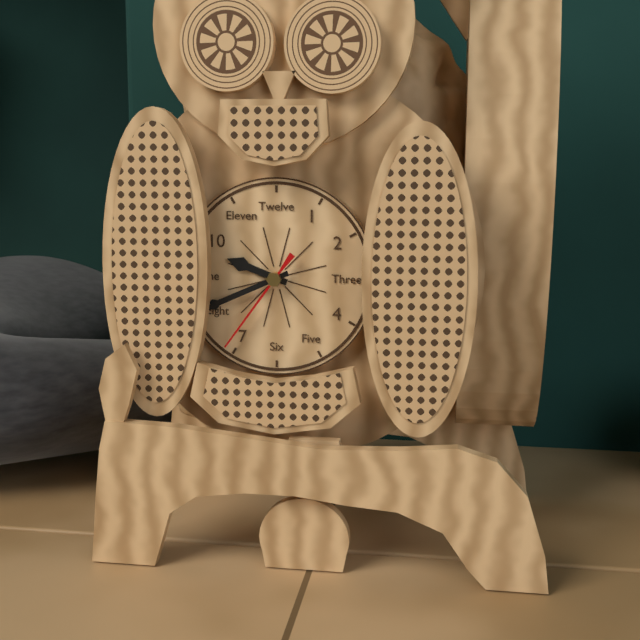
9:41:36
